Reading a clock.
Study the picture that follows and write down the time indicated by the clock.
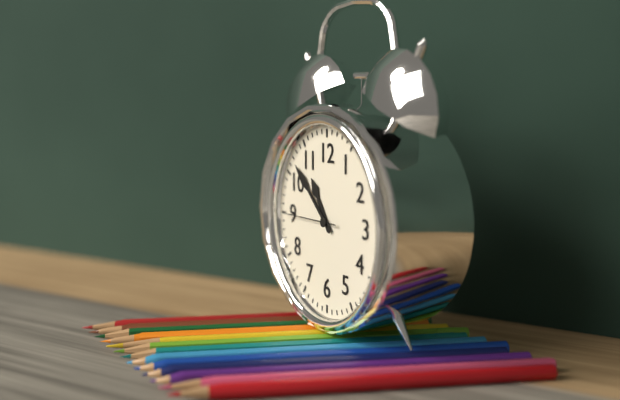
10:52:45
